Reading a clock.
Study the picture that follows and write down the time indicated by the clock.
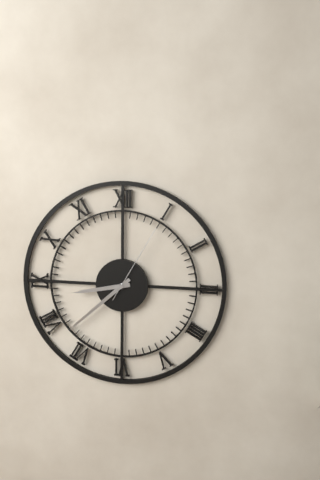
8:38:05
